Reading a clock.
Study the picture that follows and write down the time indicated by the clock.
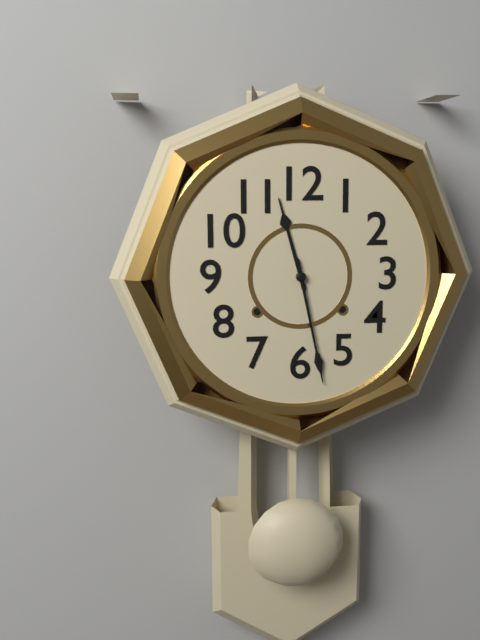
11:28
